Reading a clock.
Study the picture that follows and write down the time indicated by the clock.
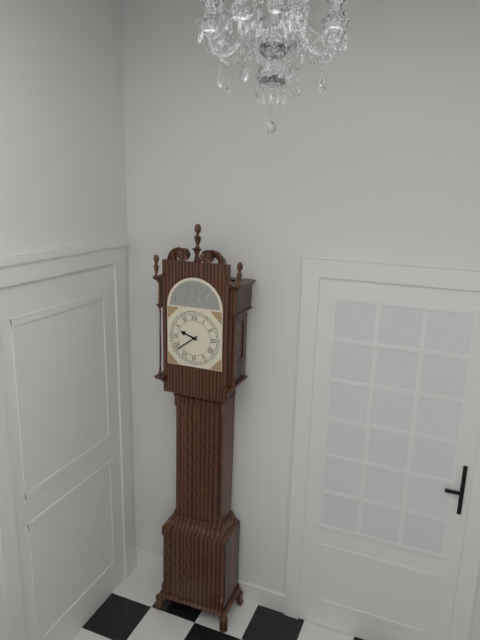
9:39
